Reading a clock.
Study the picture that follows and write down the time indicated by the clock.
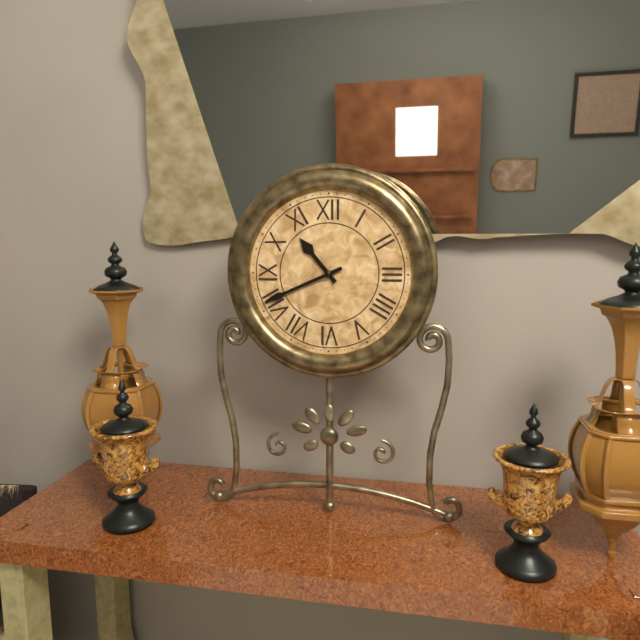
10:41
